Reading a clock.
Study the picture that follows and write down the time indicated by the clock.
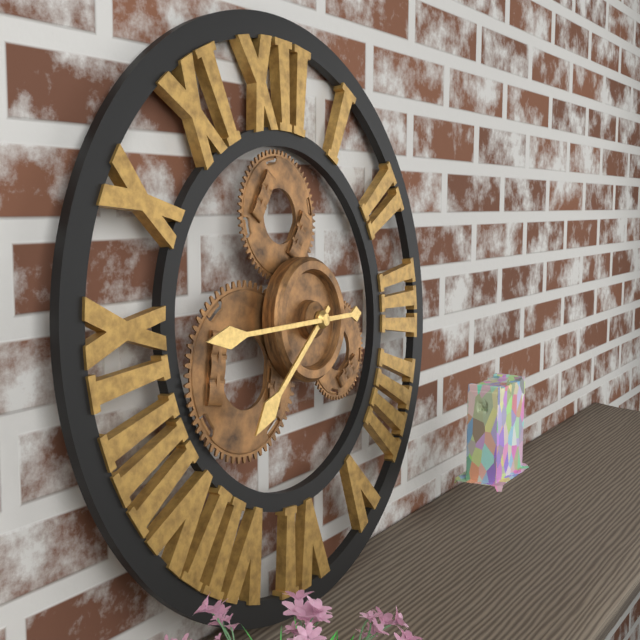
7:45
